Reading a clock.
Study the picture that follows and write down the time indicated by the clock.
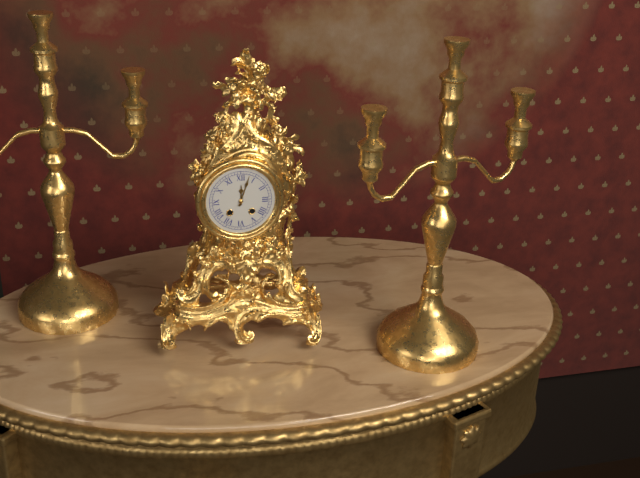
12:03
